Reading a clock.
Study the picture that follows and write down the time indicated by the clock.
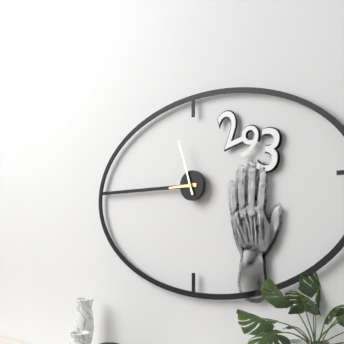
8:57
